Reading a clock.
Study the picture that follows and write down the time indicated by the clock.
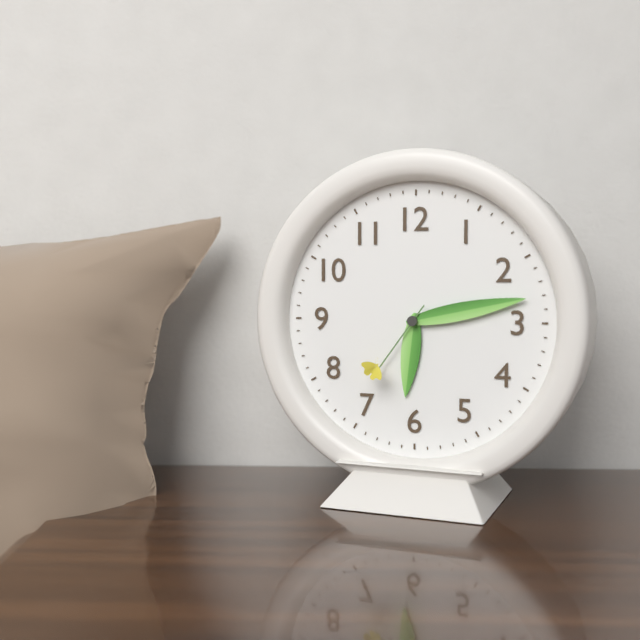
6:13:36
